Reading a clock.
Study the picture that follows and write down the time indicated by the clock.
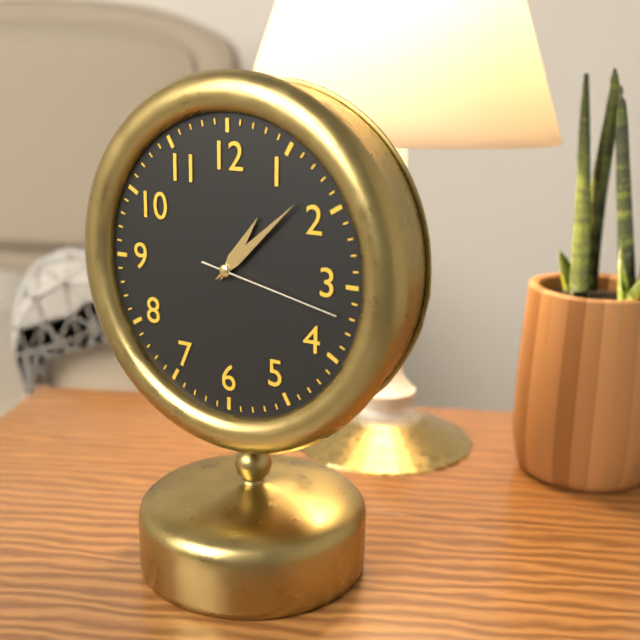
1:08:17
